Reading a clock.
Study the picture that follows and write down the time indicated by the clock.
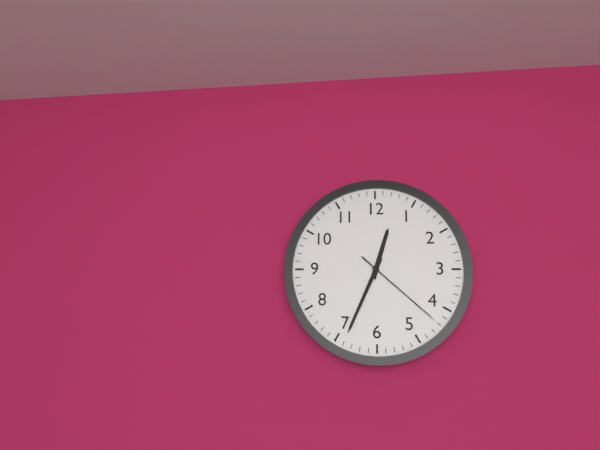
12:34:22
